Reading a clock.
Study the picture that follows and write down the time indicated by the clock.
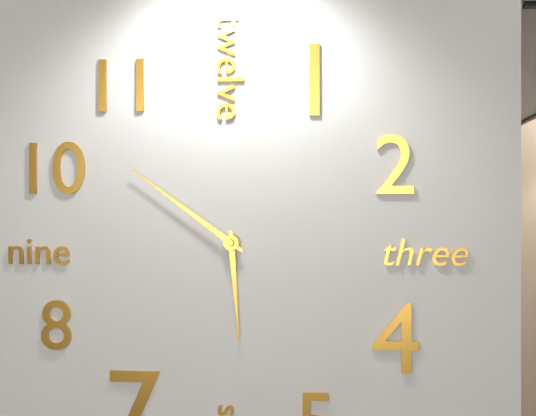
5:51
